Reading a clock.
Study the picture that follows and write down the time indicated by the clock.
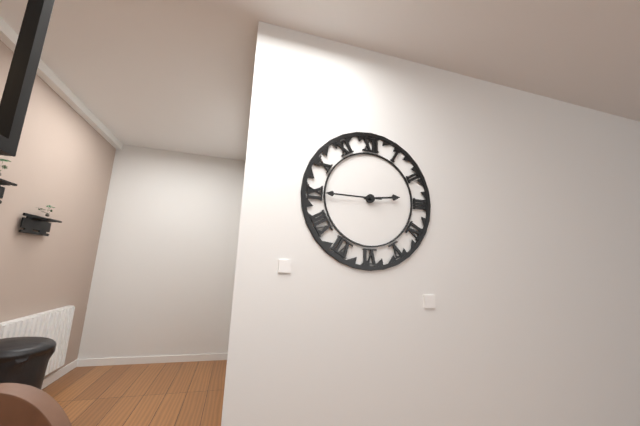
2:45
